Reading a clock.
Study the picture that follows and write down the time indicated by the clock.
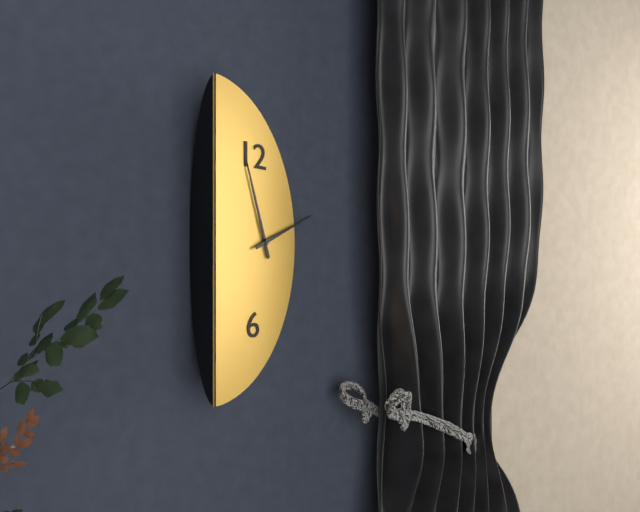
11:12
